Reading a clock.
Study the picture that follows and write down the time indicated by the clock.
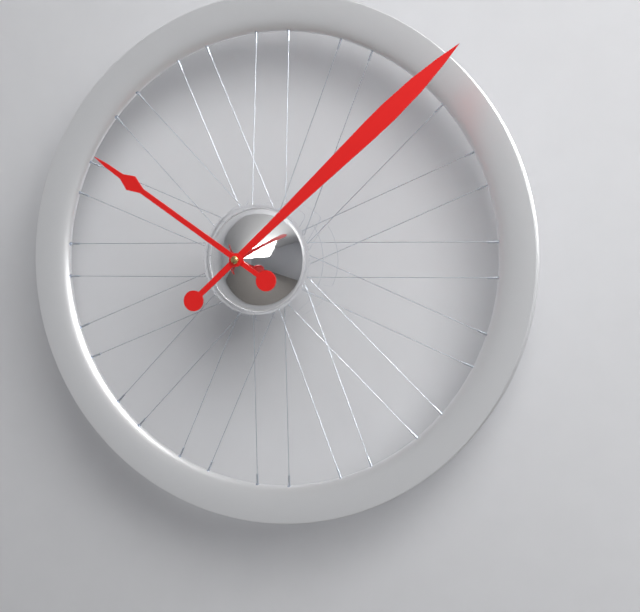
10:08
